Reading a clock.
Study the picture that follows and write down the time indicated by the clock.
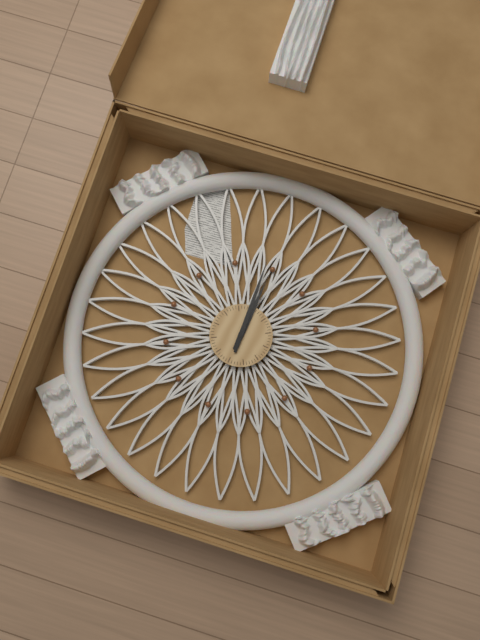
11:59
